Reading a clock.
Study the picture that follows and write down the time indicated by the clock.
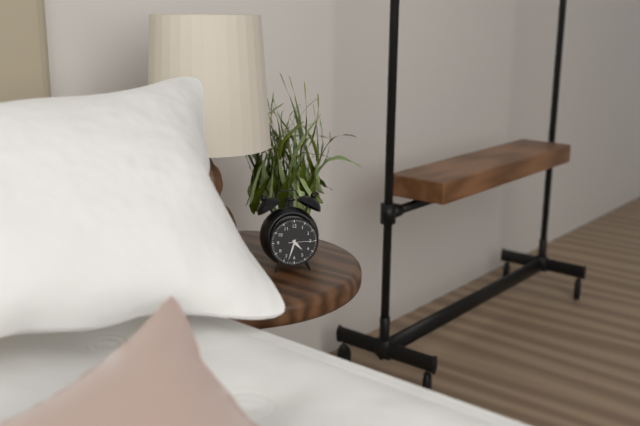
4:33
